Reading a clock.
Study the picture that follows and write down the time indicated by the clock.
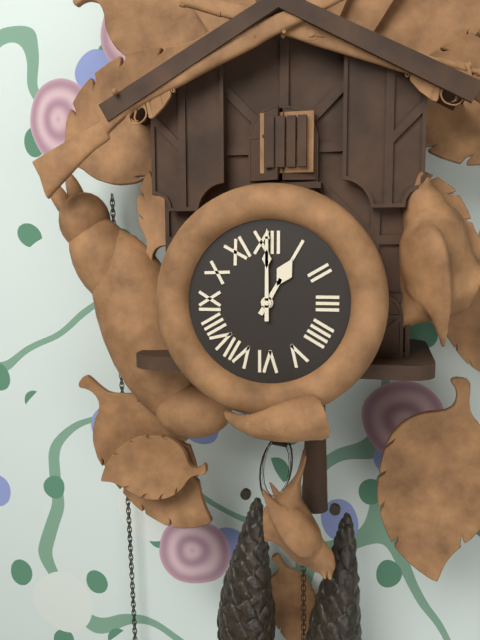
1:00
